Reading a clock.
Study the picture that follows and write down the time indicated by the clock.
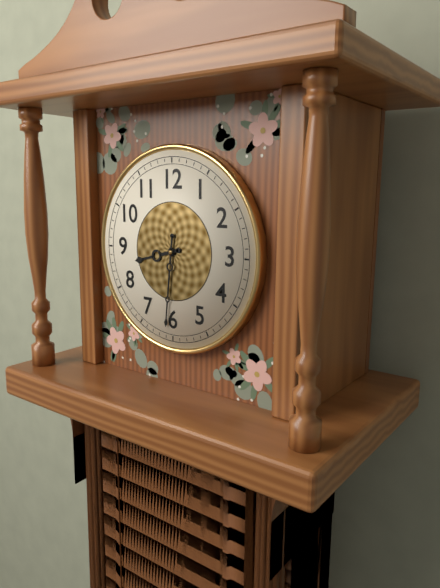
8:31
